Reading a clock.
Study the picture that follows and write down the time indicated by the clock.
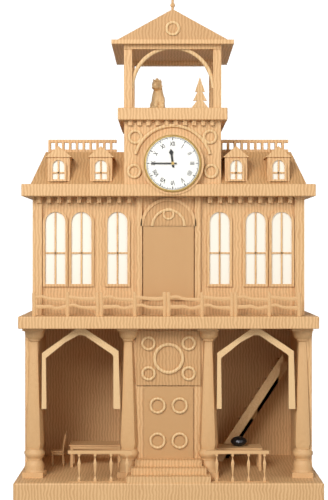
11:45
